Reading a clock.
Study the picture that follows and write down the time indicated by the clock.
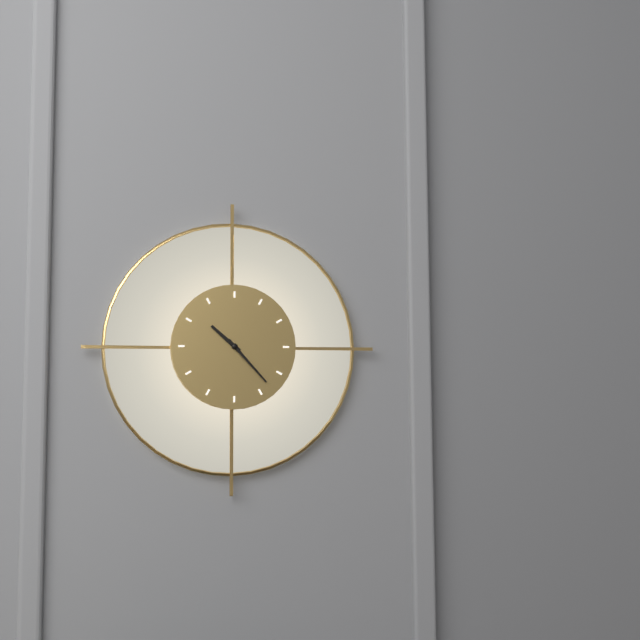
10:23
